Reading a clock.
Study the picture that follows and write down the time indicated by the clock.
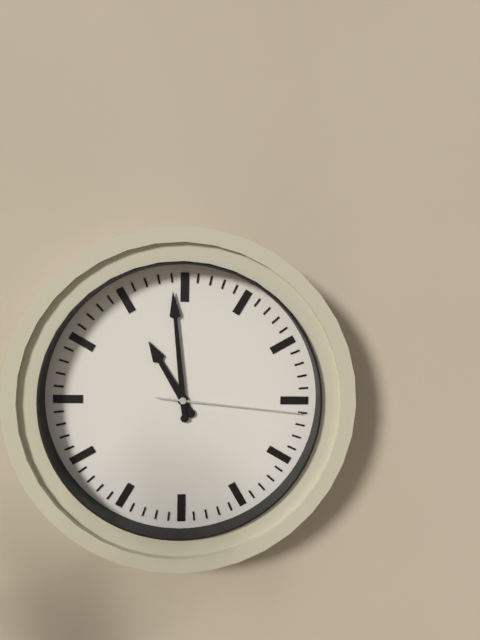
10:59:16
